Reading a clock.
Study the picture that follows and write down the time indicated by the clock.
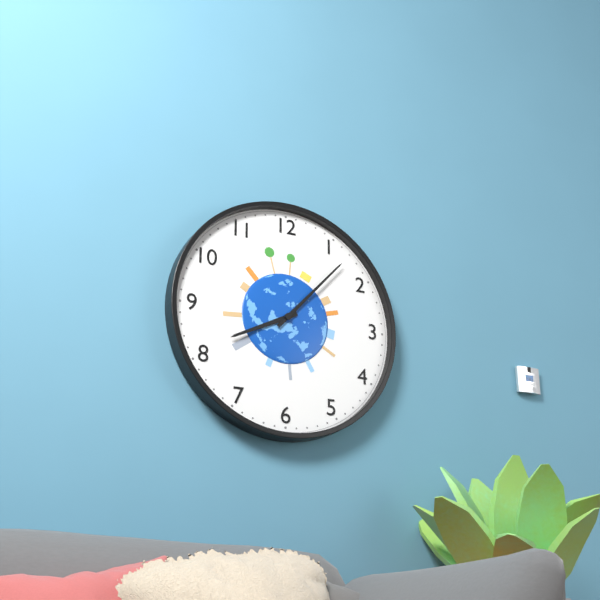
8:07
